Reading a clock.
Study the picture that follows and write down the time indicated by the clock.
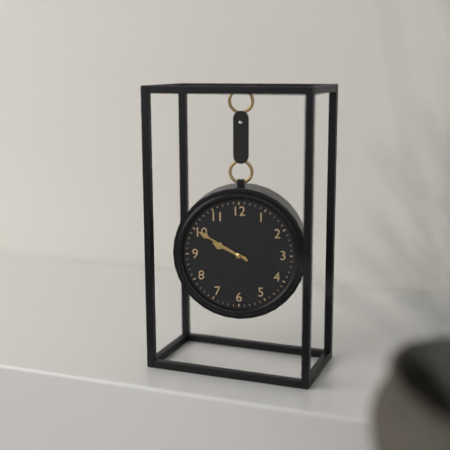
9:50
